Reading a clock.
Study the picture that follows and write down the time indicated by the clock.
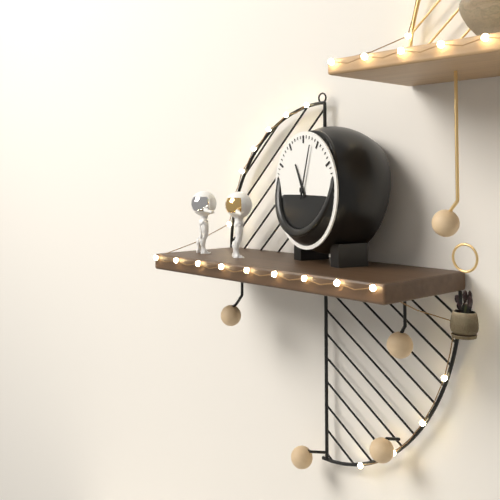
11:03
